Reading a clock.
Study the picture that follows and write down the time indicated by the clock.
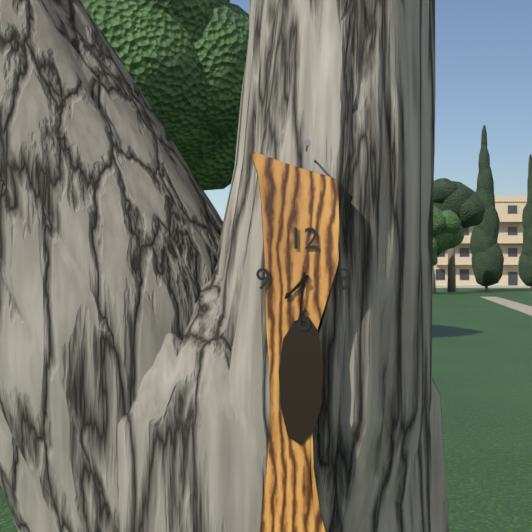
7:31
